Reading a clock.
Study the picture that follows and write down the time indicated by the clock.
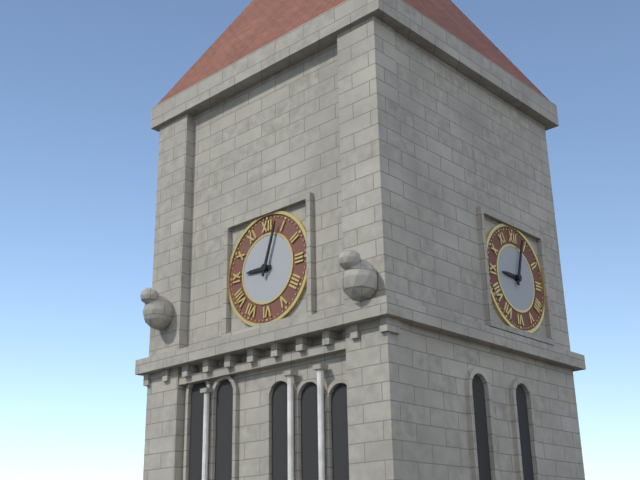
9:03
